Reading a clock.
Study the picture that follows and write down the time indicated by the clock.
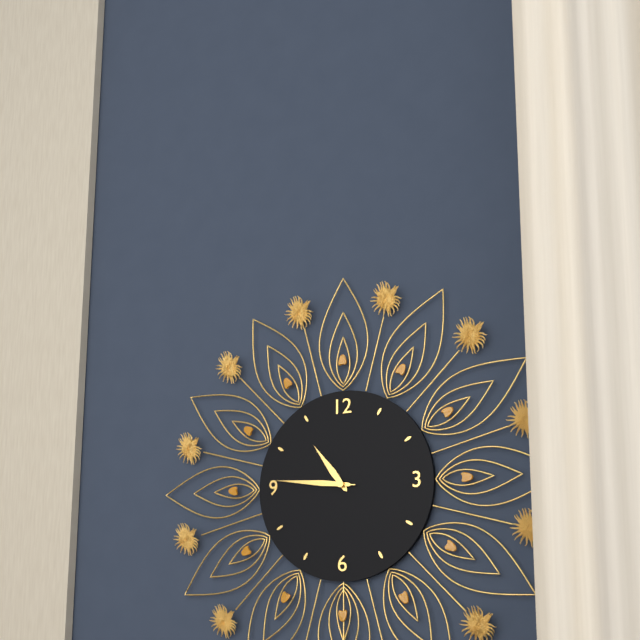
10:46:46
